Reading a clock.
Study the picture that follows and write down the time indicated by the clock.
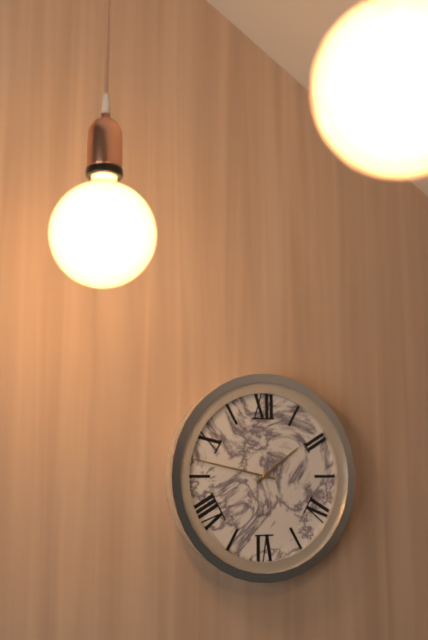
1:47
